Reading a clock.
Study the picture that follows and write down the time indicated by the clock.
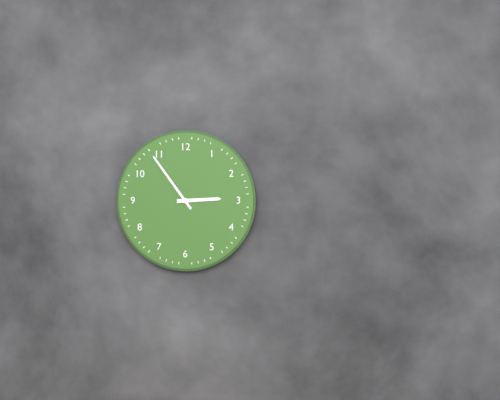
2:54
